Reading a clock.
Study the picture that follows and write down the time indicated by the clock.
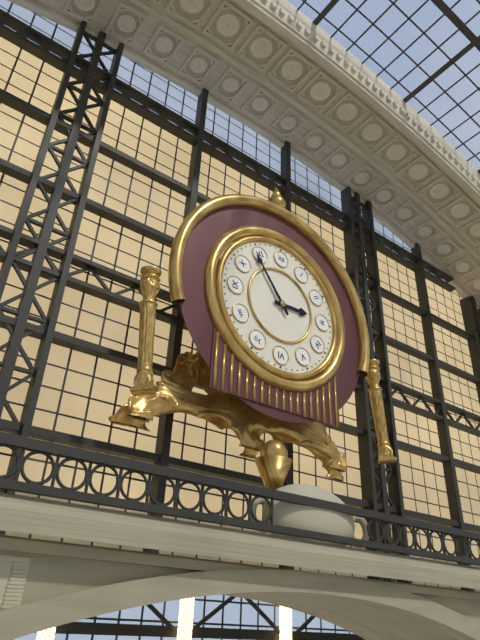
2:54
